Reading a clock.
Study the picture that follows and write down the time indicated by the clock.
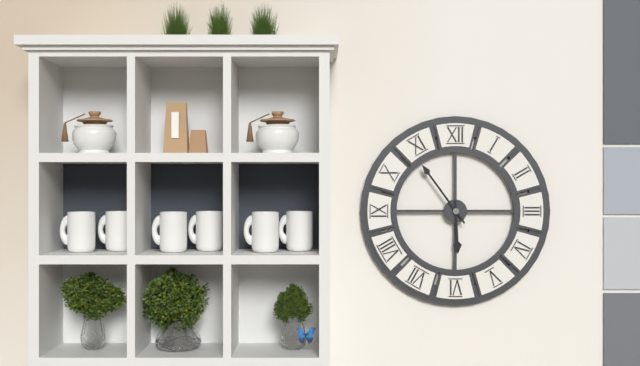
5:54
